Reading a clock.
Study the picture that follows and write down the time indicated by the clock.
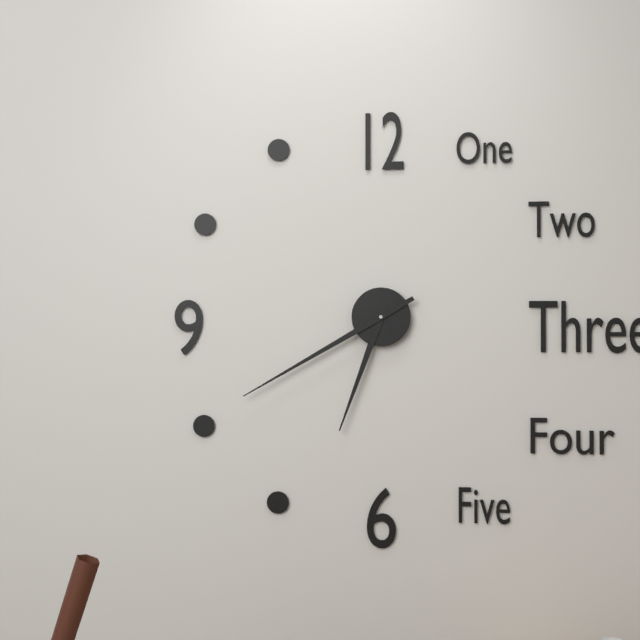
6:40
